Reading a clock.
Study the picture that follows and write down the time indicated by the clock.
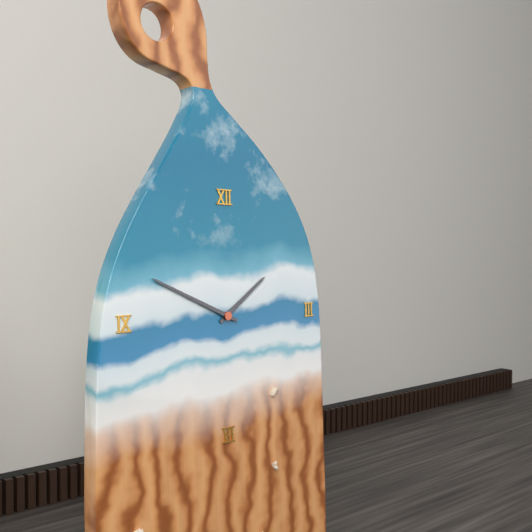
1:49
